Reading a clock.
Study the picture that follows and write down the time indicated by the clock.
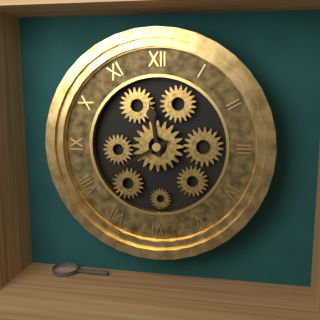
11:40
